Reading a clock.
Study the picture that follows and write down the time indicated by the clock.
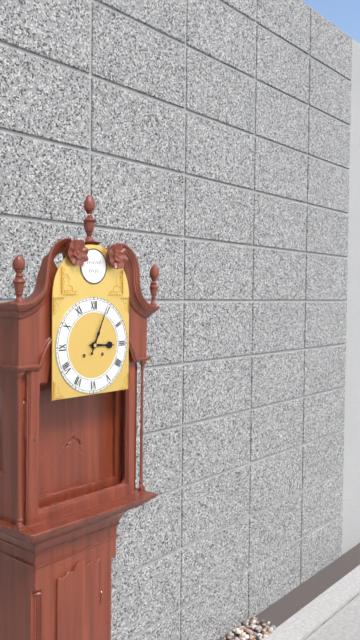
3:04
